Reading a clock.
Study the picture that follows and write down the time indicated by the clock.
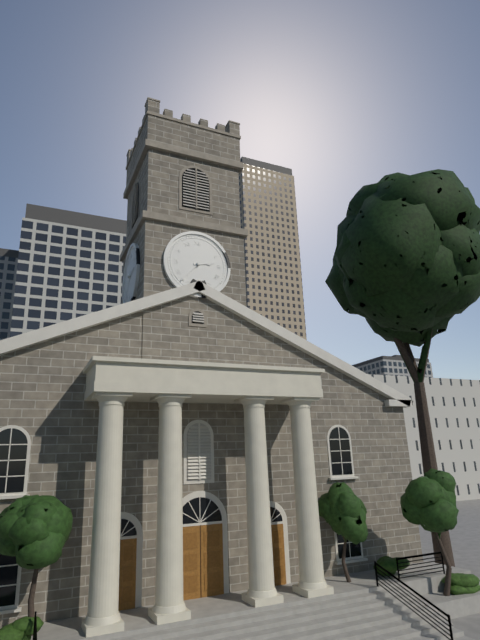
2:37
